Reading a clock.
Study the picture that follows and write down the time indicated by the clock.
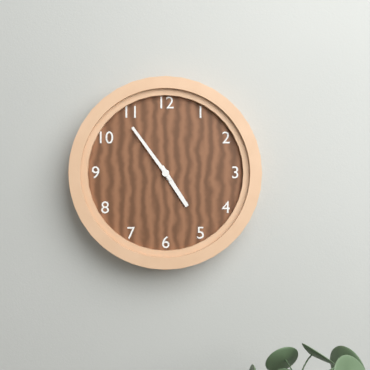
4:54
